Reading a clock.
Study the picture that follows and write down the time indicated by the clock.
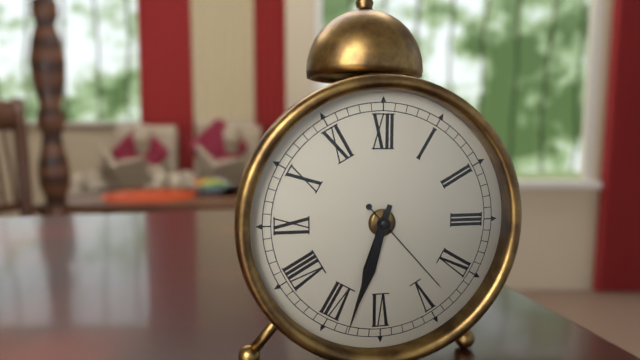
6:33:23
